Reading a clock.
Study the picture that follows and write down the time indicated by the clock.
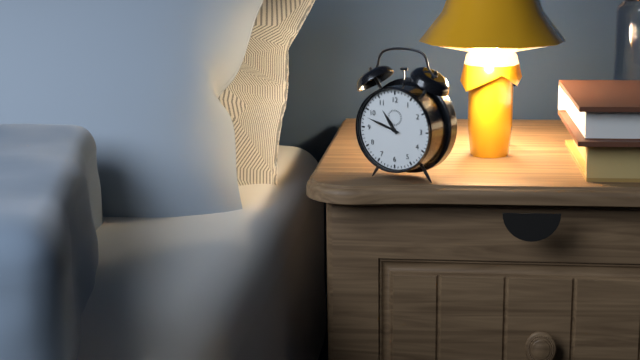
10:48
